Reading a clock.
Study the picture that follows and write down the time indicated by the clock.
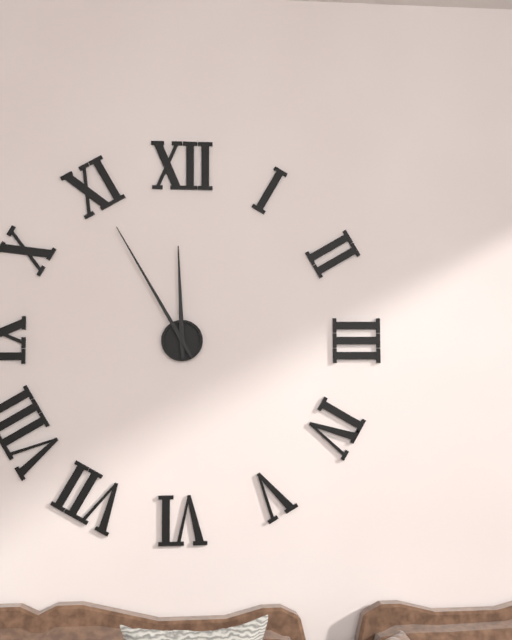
11:55
